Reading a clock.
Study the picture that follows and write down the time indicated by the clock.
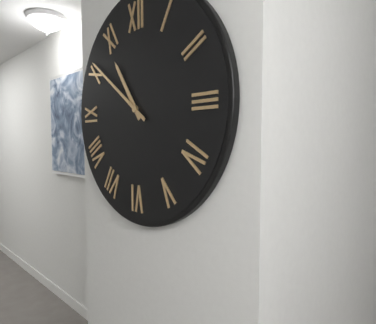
10:51
